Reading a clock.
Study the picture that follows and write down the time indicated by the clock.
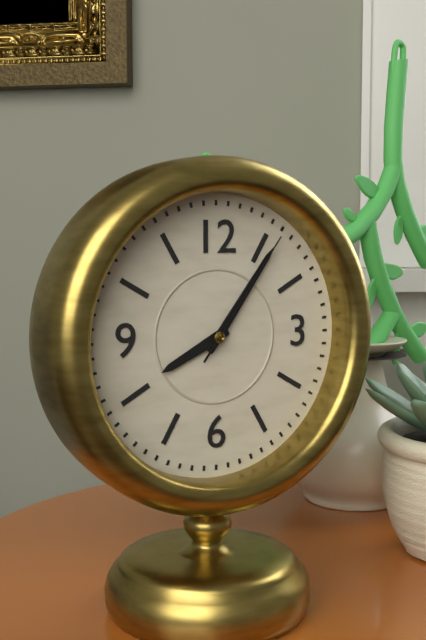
8:06:06
